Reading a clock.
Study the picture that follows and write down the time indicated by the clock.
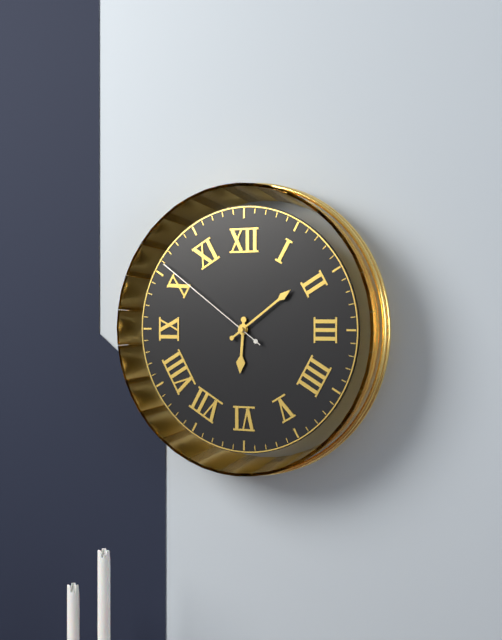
6:09:51
